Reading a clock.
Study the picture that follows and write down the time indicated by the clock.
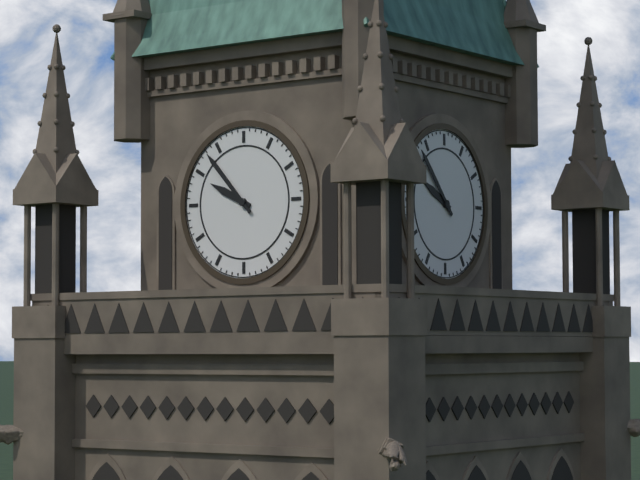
9:53
